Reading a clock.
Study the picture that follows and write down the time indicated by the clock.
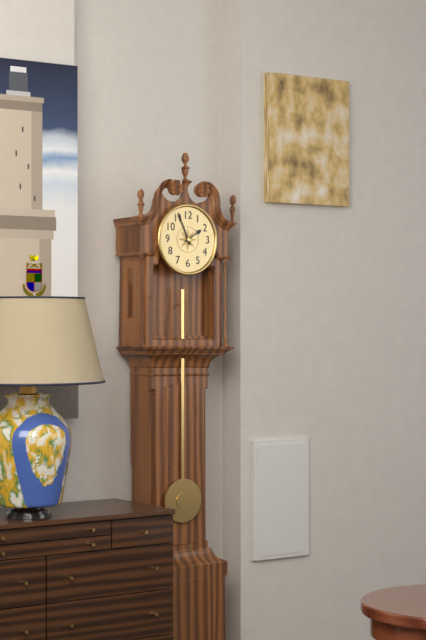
1:56
